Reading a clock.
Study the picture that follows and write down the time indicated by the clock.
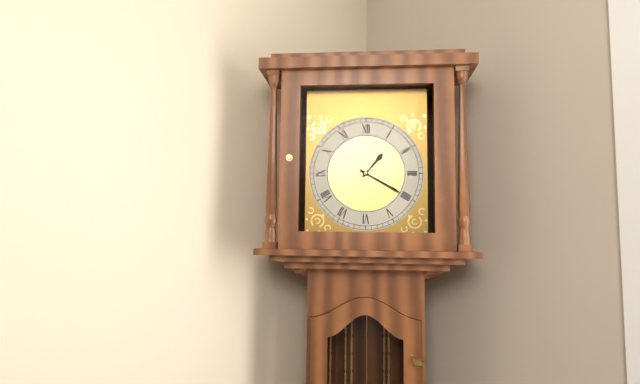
1:20
